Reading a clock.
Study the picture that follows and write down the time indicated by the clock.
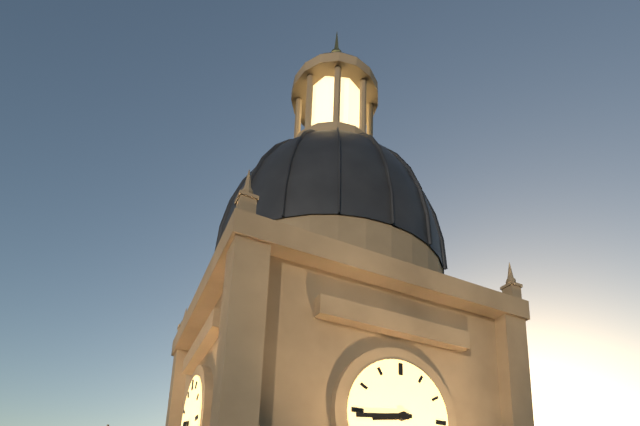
8:44
